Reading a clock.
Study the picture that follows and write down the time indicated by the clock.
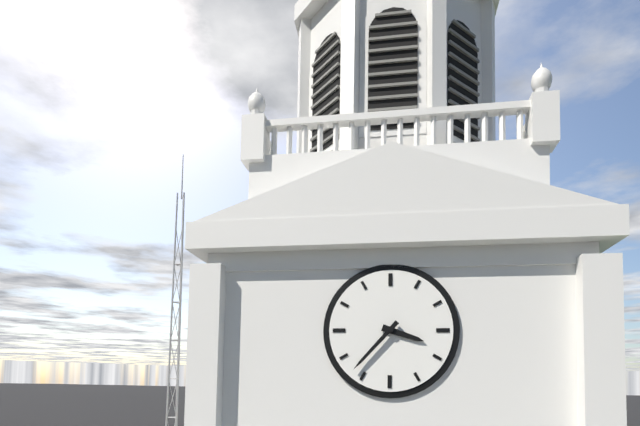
3:37
